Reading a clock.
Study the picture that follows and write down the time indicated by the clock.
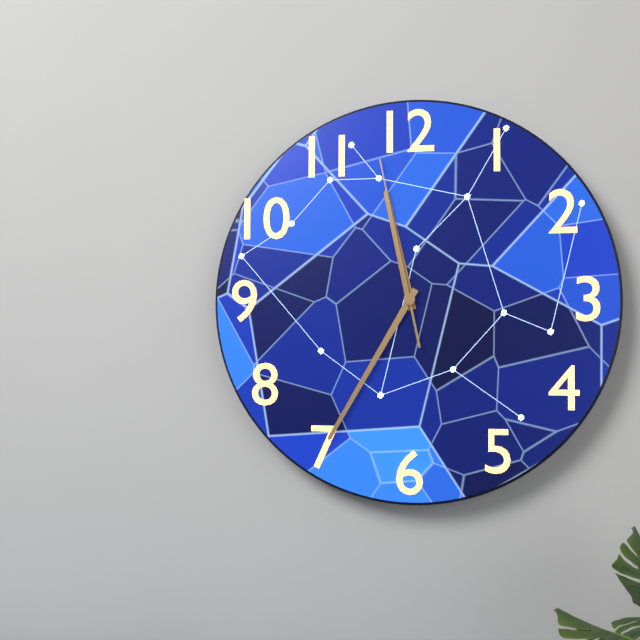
11:35:58
